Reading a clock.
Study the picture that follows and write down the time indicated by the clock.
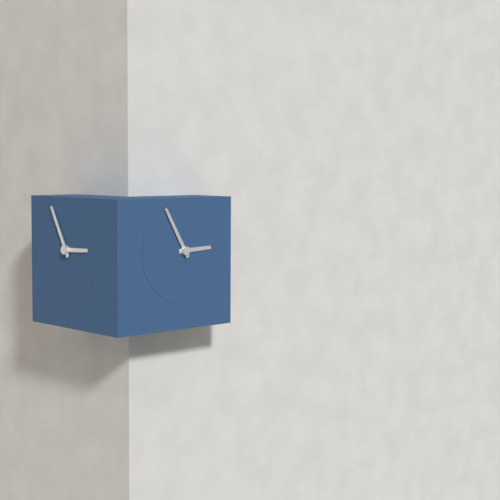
2:55
